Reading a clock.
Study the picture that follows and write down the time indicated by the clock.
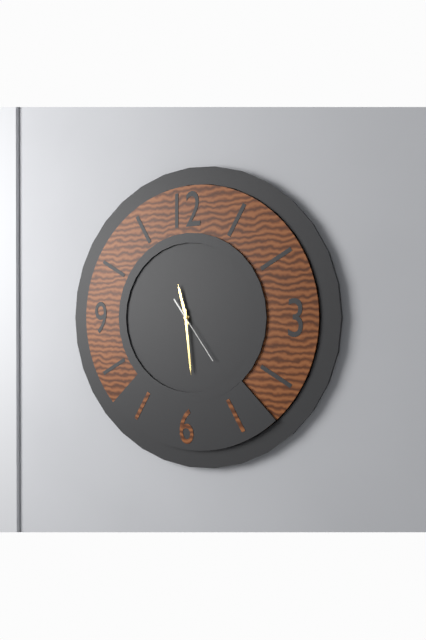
11:29:24
